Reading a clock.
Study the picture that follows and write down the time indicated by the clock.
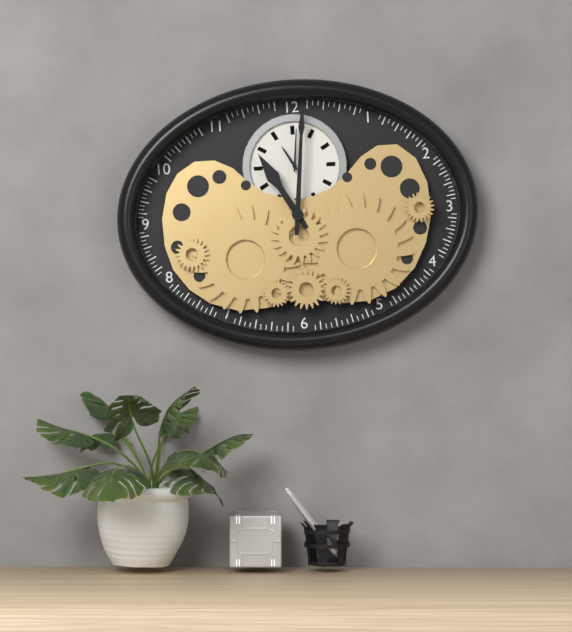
11:01
